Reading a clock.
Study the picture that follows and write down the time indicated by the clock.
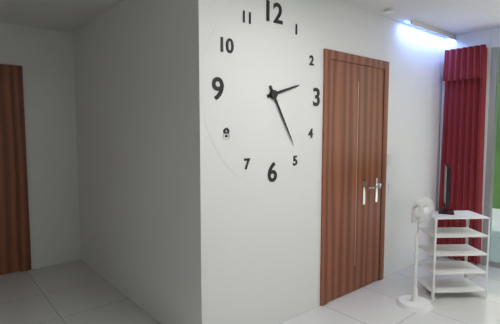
2:25
